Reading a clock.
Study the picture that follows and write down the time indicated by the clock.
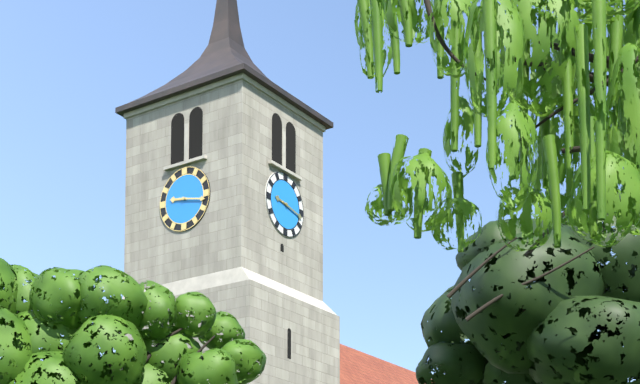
9:17
